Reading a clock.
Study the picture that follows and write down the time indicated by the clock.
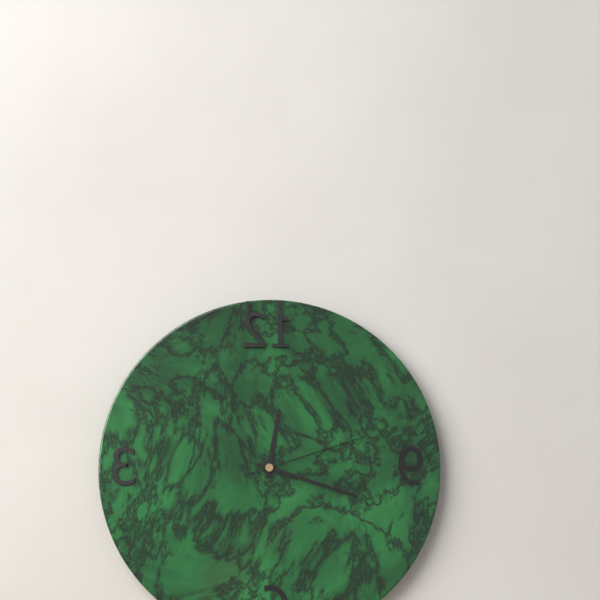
12:18:12
